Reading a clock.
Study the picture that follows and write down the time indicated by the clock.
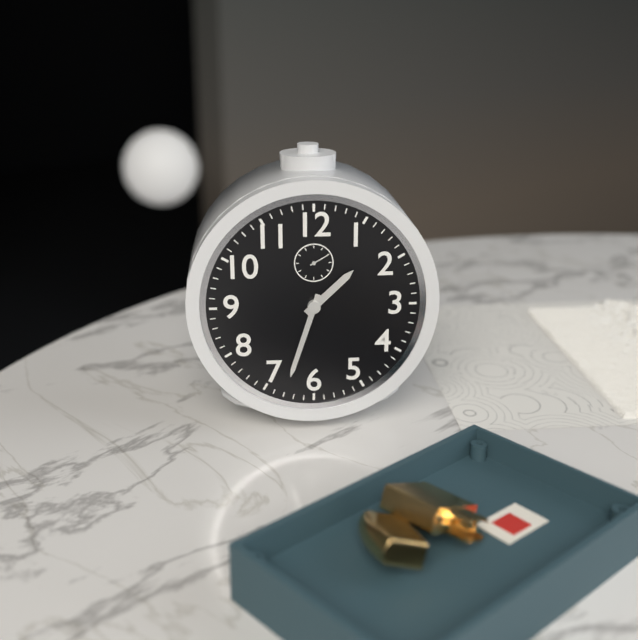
1:33
